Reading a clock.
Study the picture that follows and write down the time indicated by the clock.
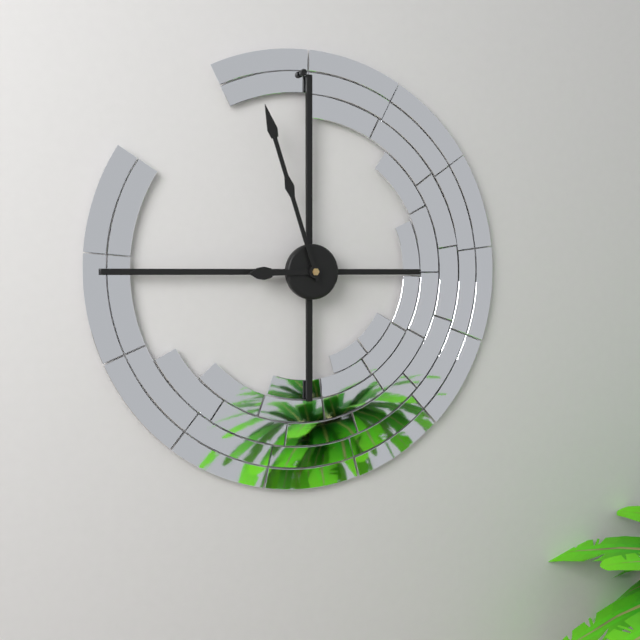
8:57
